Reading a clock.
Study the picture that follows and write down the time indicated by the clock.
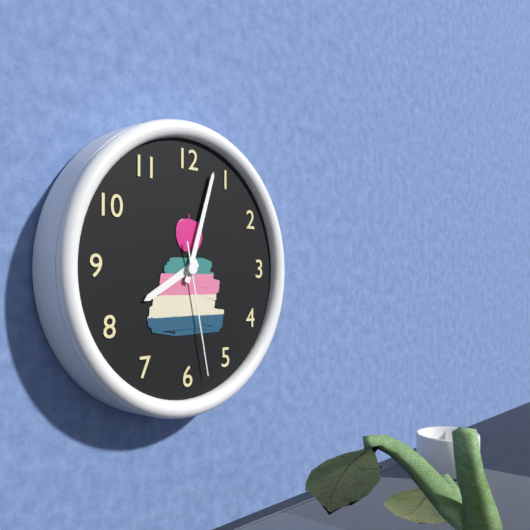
8:03:28
